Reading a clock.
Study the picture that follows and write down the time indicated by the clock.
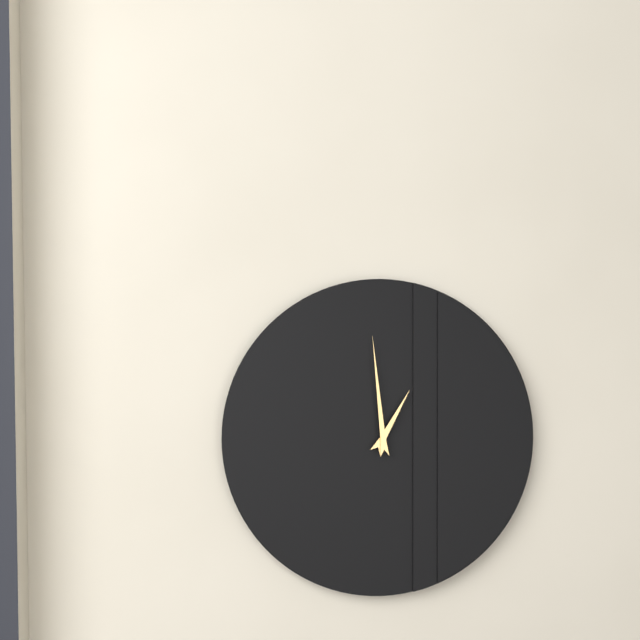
12:59
